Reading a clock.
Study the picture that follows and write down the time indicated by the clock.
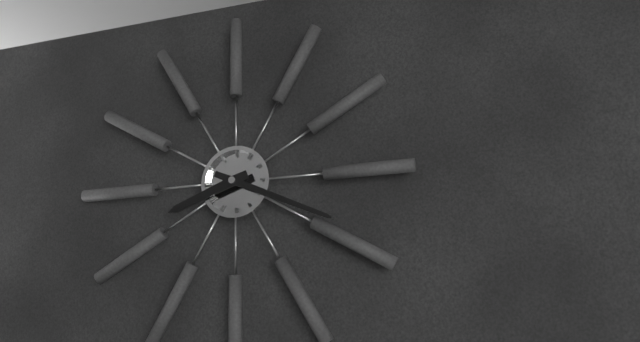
8:19
